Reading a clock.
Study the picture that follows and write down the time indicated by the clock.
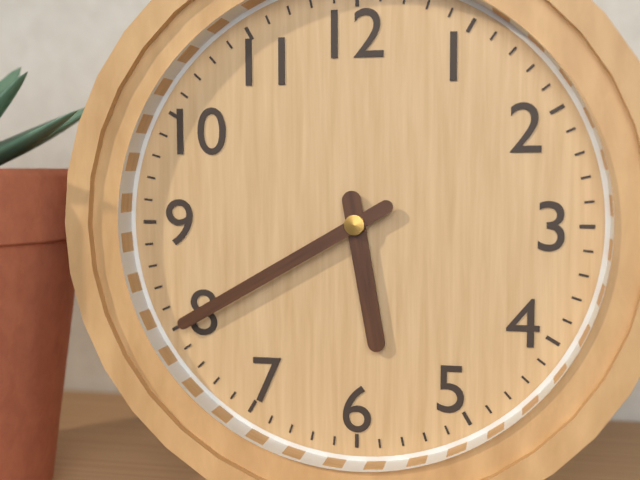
5:40
